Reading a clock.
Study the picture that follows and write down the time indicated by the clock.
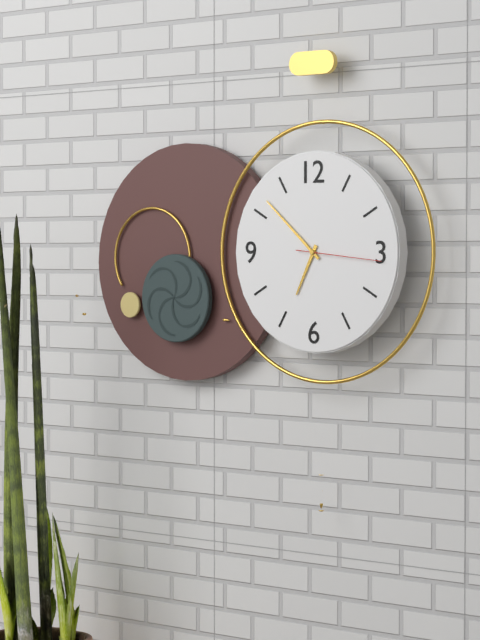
6:52:16
